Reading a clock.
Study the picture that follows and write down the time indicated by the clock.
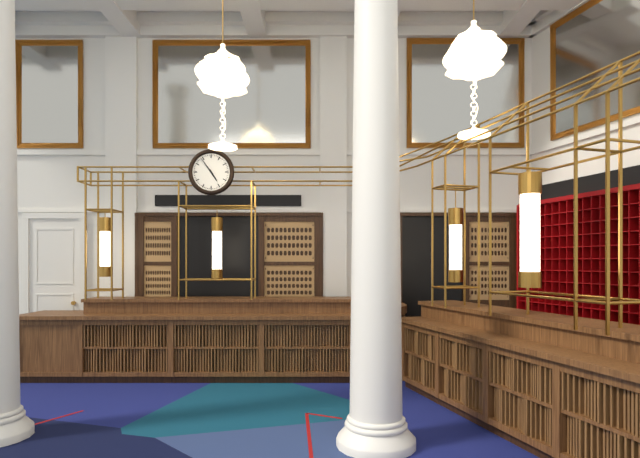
4:54
